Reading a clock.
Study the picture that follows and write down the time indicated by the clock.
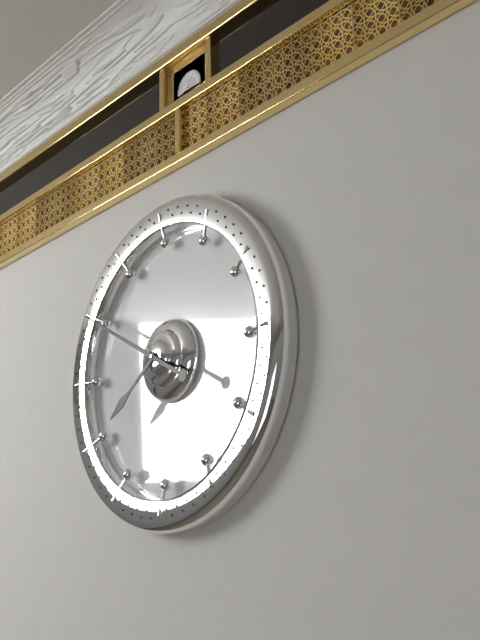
7:50
